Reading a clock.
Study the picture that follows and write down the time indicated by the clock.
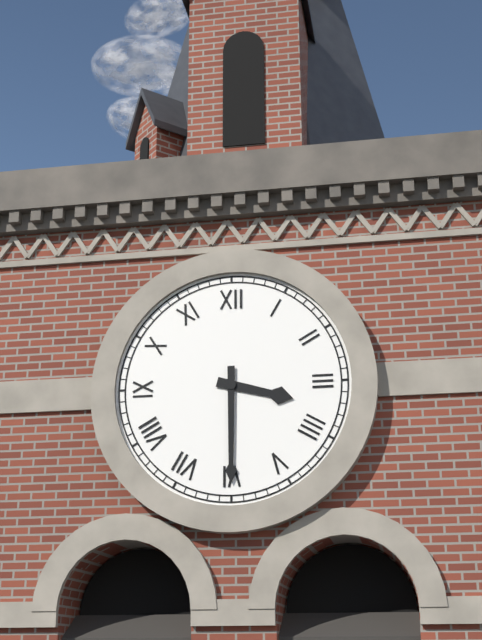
3:30
